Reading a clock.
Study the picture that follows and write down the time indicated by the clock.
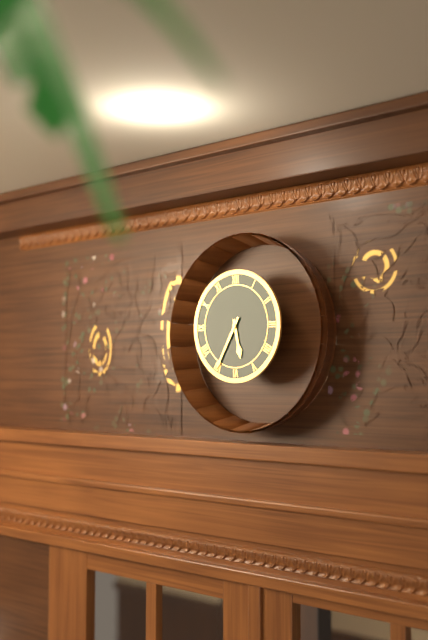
5:35
